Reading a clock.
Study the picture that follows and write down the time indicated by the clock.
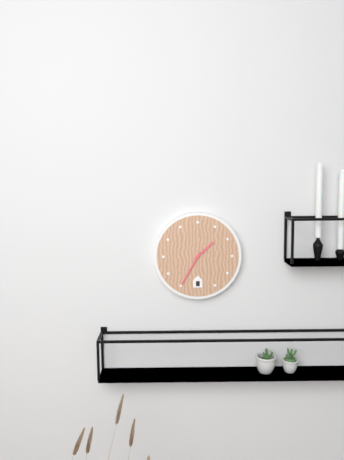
1:35
